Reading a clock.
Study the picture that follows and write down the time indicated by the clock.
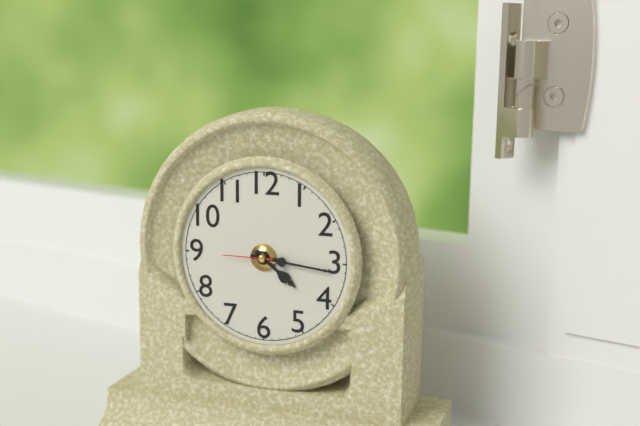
4:16:45
